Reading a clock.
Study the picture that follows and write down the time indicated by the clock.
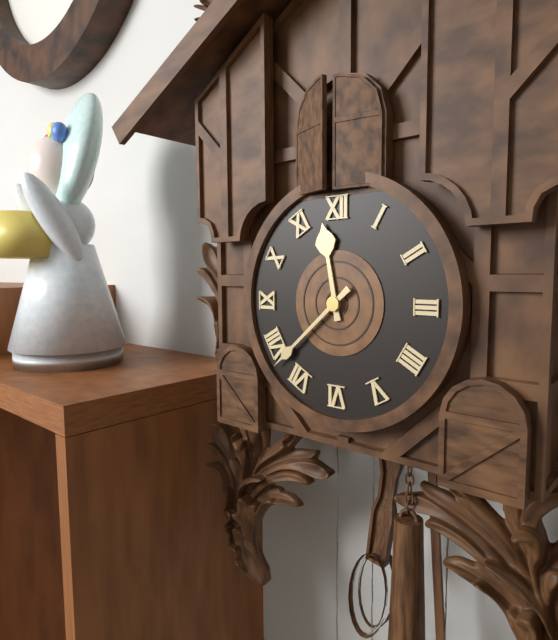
11:38
